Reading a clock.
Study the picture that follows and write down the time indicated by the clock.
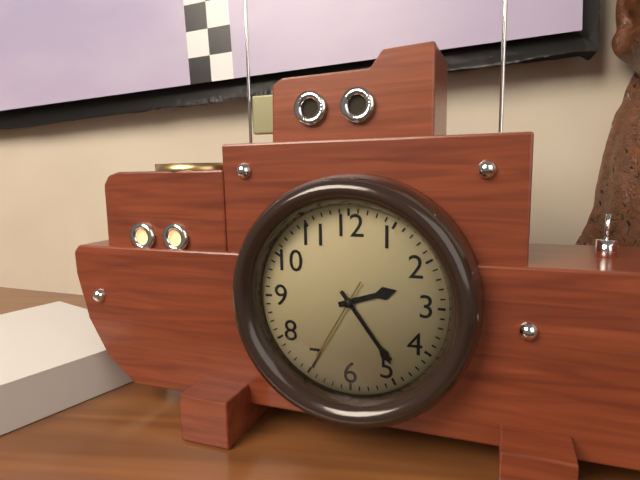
2:24:35
